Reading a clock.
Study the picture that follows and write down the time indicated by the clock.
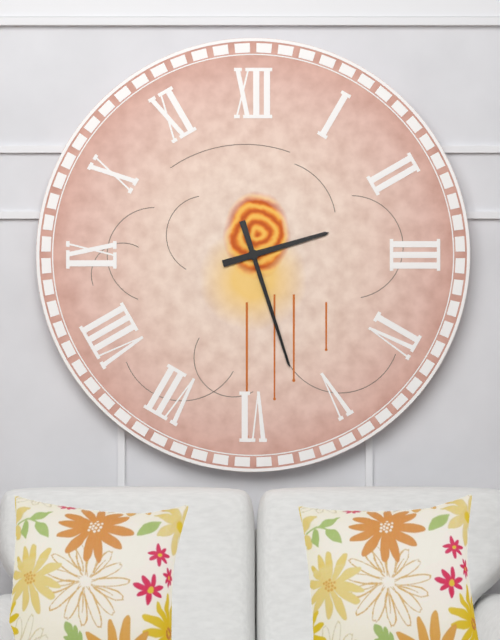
2:27
